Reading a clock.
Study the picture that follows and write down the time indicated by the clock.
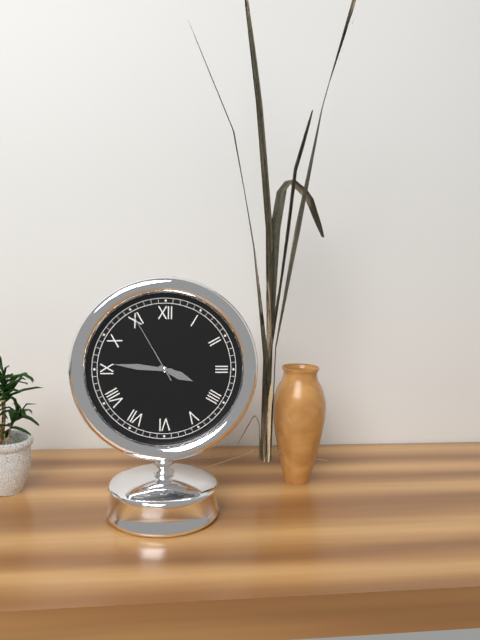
3:46:55
